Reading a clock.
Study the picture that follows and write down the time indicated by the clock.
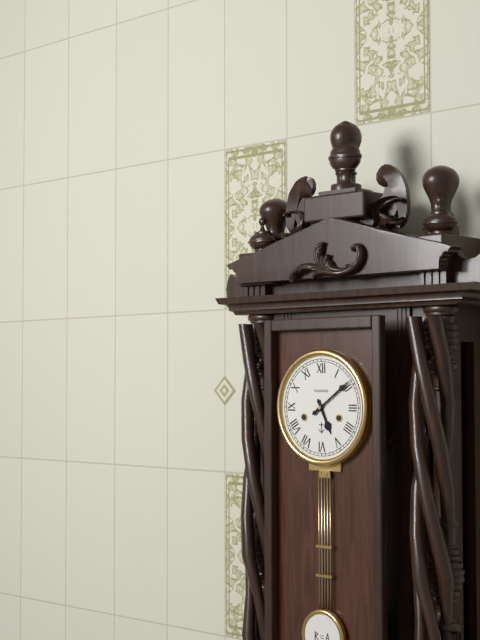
5:09
